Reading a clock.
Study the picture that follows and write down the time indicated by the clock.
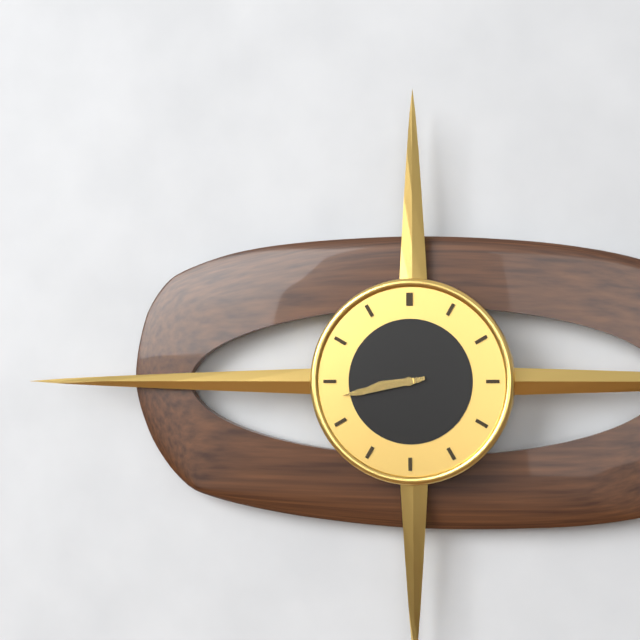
8:43
